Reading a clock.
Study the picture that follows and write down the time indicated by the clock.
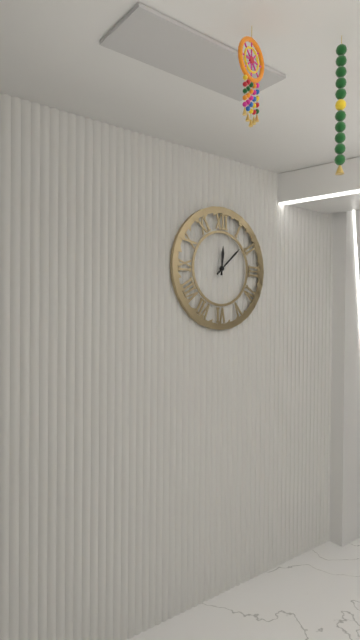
12:08
